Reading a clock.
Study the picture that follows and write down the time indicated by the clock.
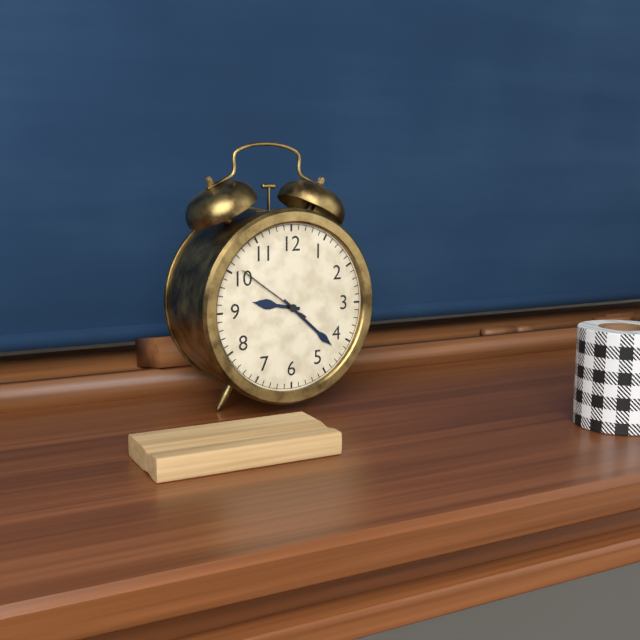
9:22:51
